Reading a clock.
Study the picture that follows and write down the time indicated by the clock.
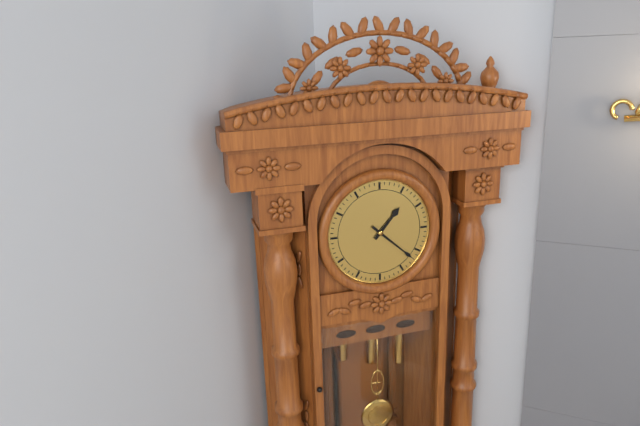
1:22
